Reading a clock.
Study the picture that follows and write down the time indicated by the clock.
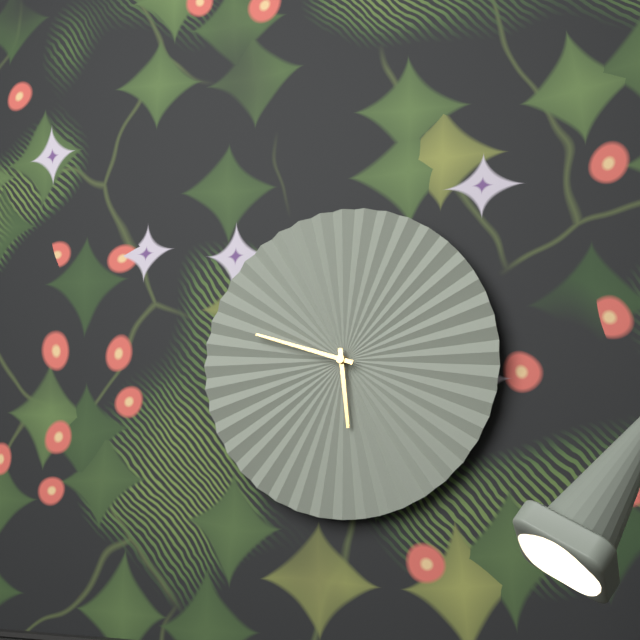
5:48
